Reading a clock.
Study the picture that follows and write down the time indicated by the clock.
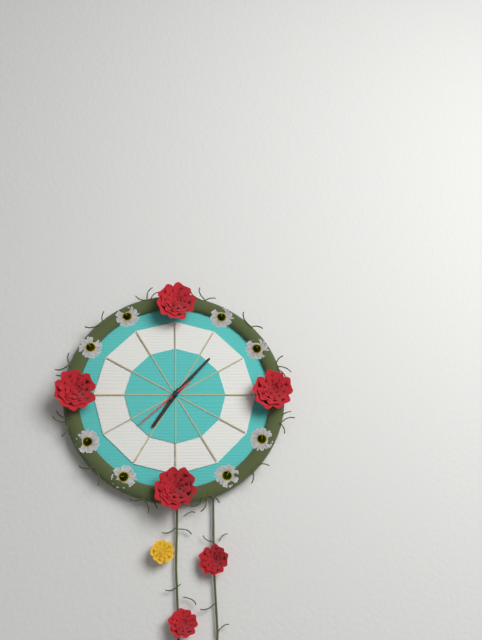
7:07:38
